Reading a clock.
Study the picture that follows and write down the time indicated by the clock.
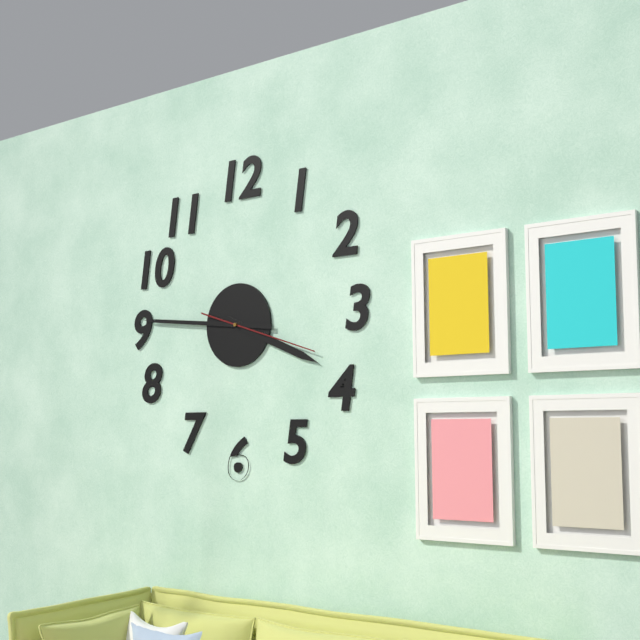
3:46:18
